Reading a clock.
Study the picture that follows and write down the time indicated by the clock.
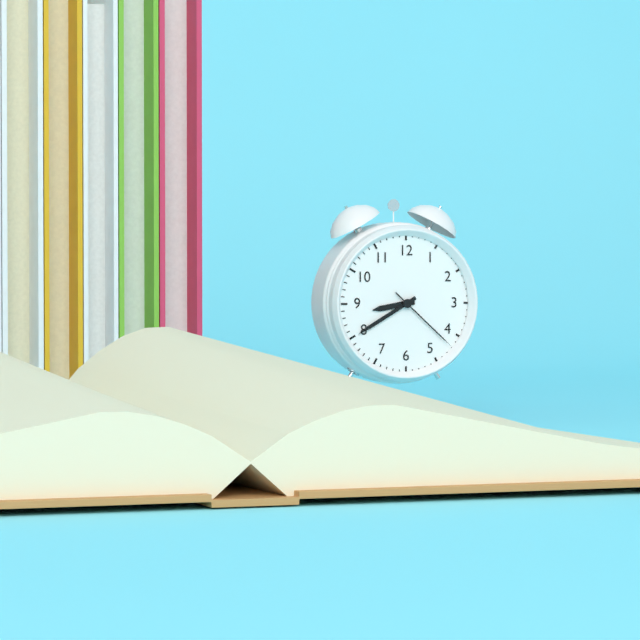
8:40:22
